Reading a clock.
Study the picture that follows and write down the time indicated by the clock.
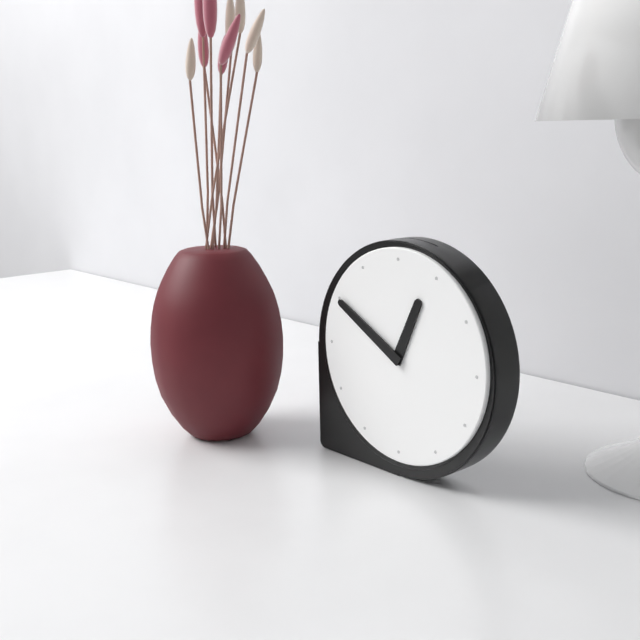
12:50
